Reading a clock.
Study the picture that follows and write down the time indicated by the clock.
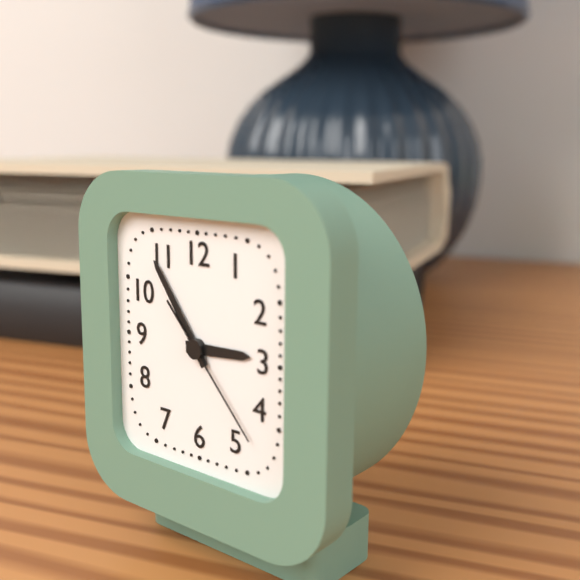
2:54:23
